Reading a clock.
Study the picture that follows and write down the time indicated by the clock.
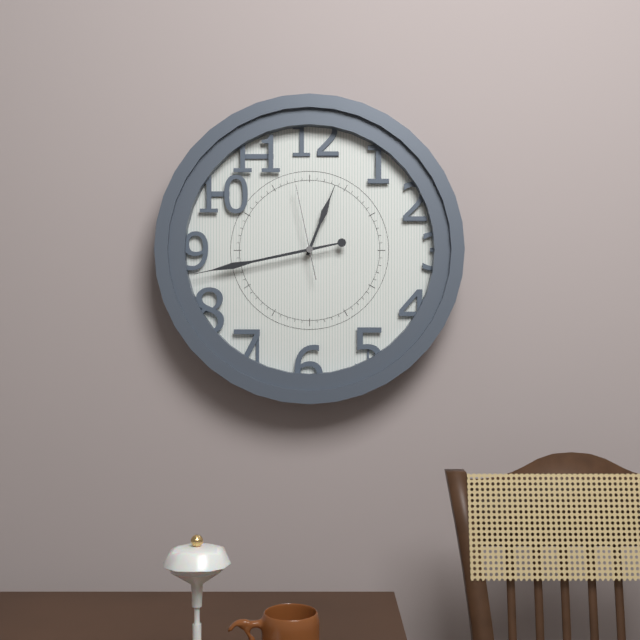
12:43:58
